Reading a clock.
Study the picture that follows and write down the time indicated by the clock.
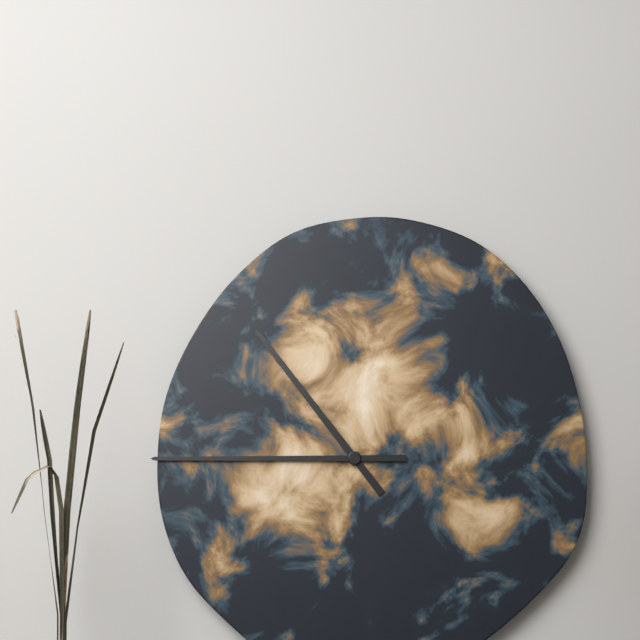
10:45
